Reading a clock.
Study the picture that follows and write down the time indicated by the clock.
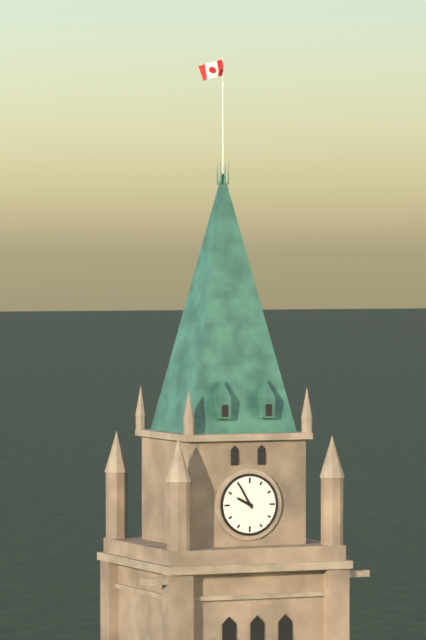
9:55
